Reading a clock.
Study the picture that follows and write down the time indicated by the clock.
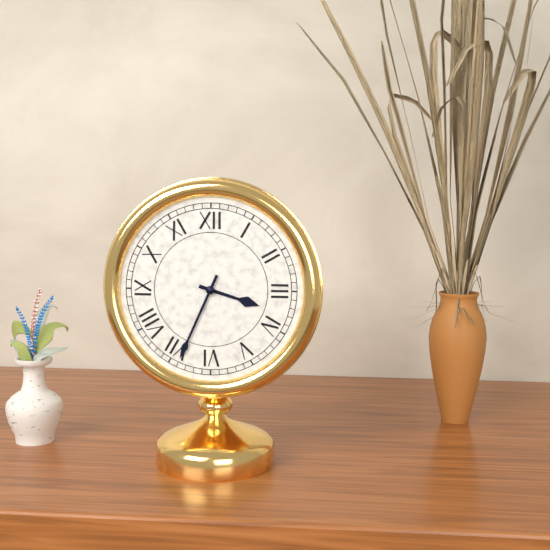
3:34
